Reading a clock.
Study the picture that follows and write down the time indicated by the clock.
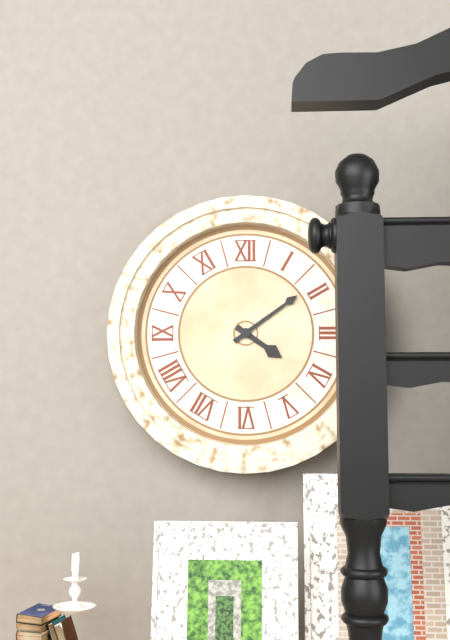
4:09
